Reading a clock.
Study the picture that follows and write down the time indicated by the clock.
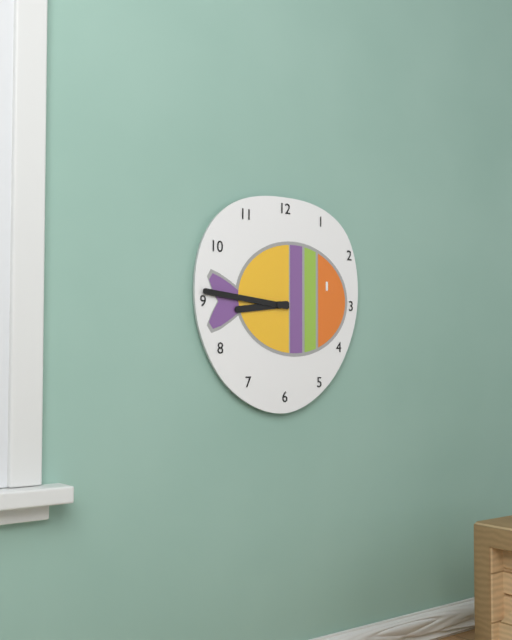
8:46
